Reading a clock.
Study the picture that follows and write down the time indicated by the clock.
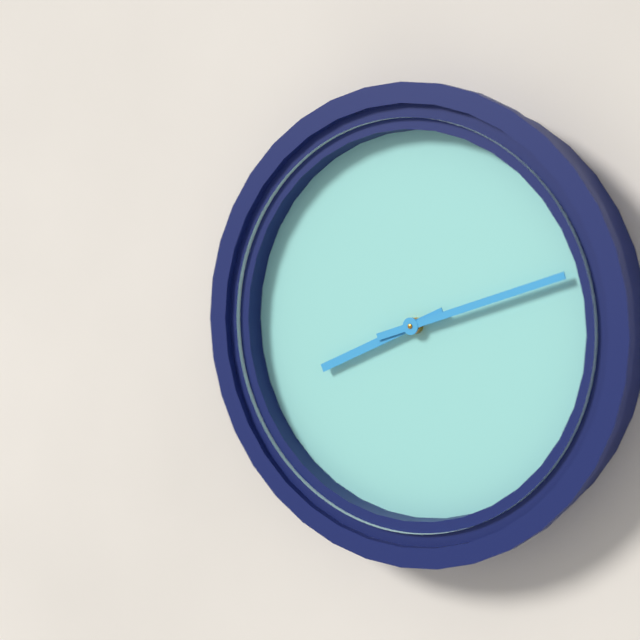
8:12
